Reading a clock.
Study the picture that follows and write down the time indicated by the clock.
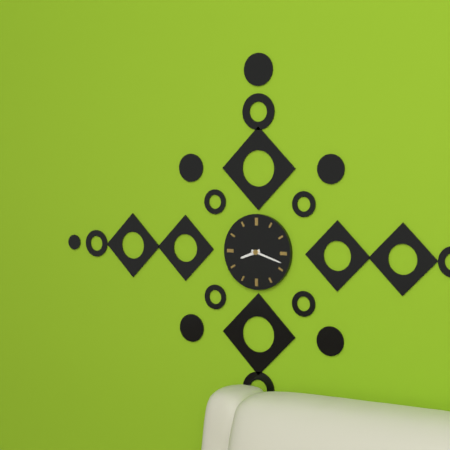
8:18
